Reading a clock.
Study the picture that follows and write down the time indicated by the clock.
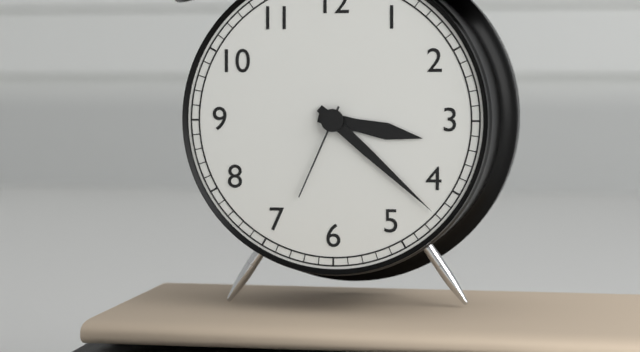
3:22:34
